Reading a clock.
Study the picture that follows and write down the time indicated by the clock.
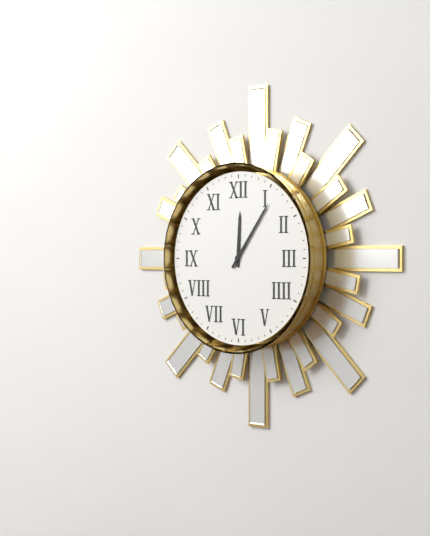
12:06
